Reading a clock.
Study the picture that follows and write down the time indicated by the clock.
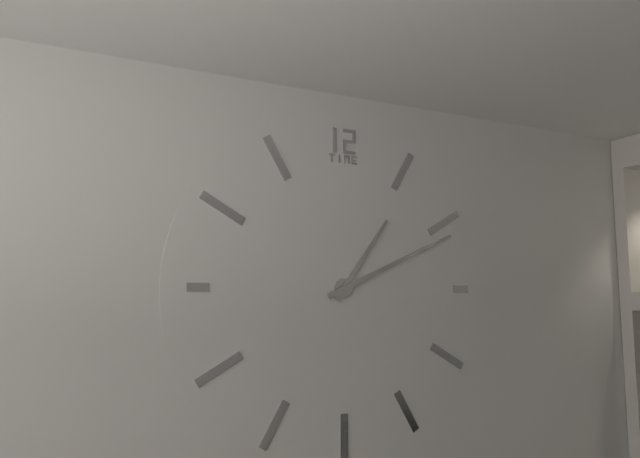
1:11
